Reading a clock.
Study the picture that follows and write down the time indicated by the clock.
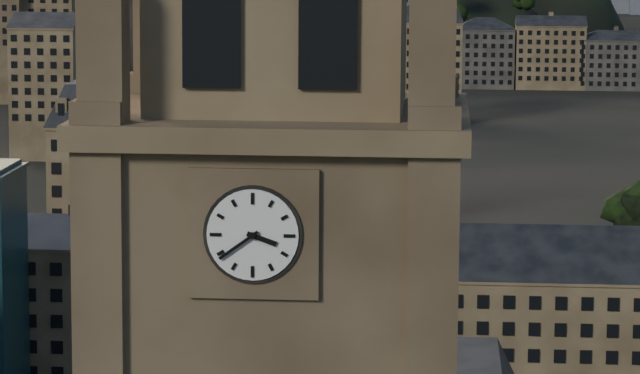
3:39
